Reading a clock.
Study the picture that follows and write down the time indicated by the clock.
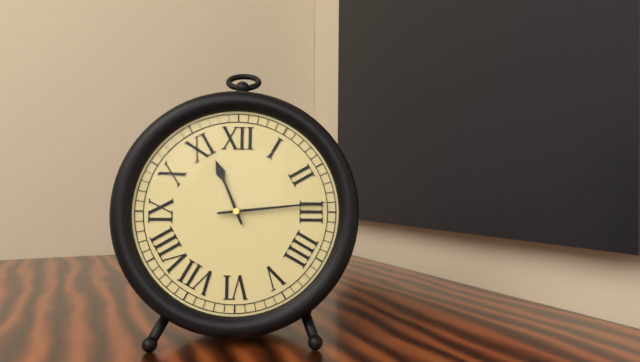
11:14
